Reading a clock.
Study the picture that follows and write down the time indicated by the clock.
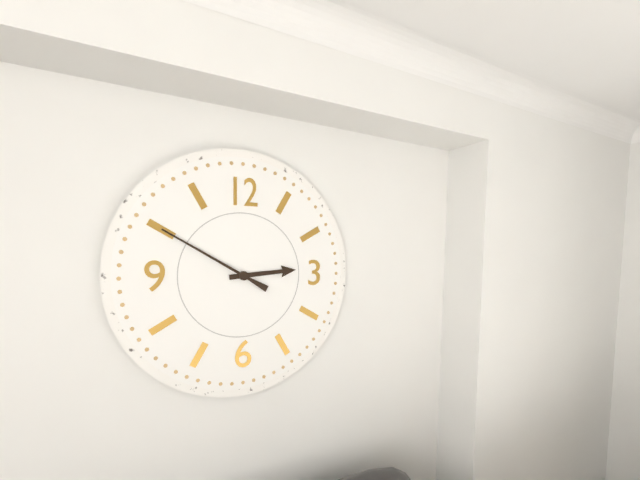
2:50
